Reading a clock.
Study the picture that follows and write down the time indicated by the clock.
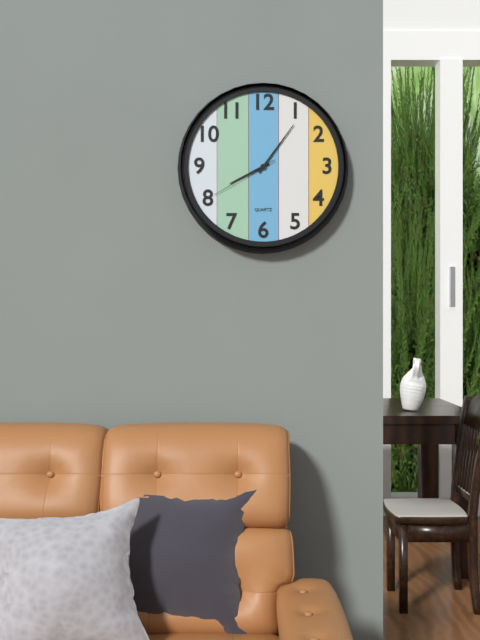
8:06:40
